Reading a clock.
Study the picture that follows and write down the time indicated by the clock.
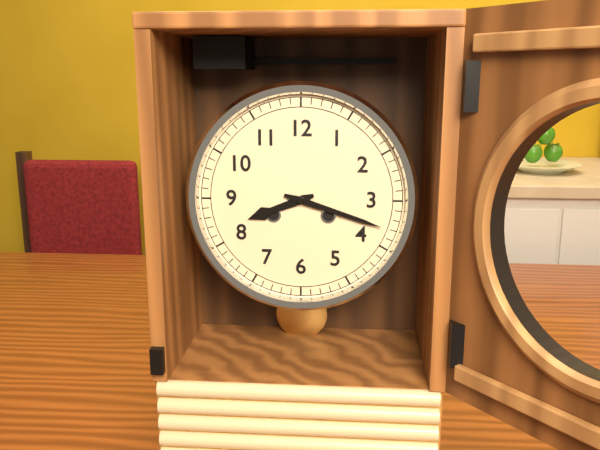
8:18
